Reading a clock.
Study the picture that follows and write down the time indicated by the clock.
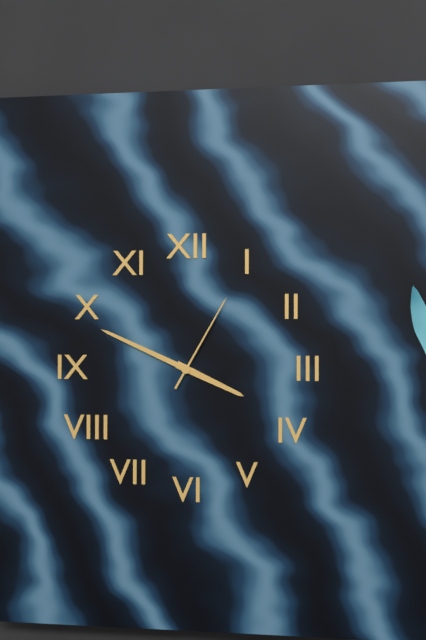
3:49:05
